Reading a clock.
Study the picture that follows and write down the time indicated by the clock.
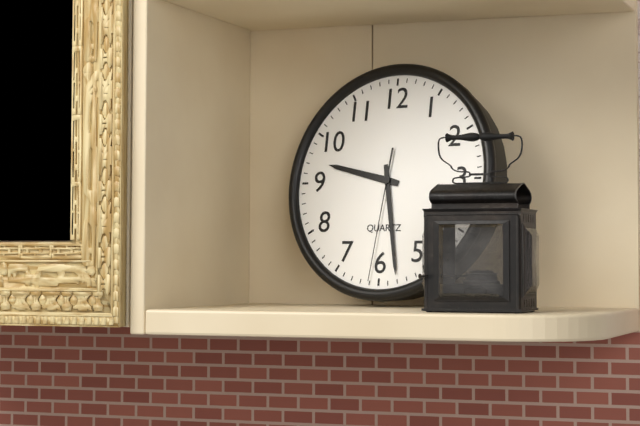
9:28:31
